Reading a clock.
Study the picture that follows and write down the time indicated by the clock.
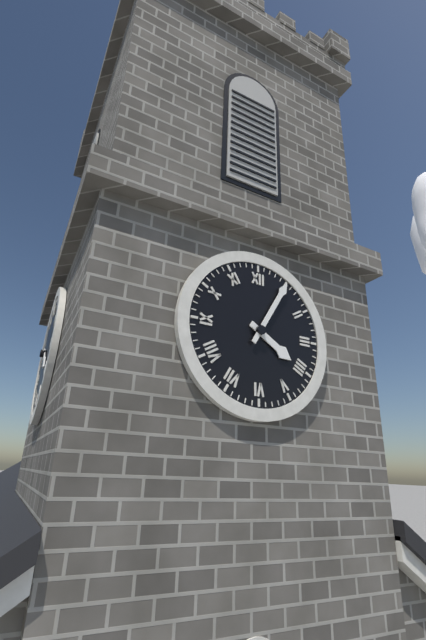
4:05
